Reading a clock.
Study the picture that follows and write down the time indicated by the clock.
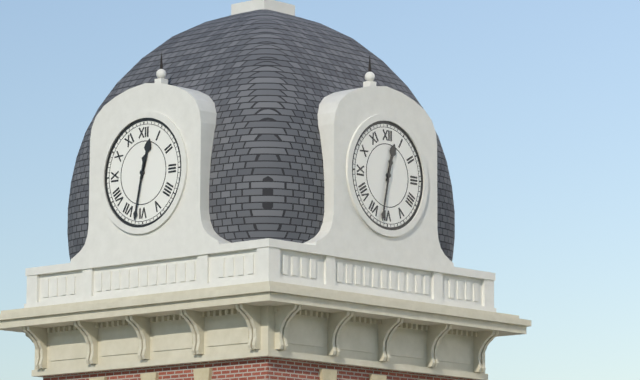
12:32
